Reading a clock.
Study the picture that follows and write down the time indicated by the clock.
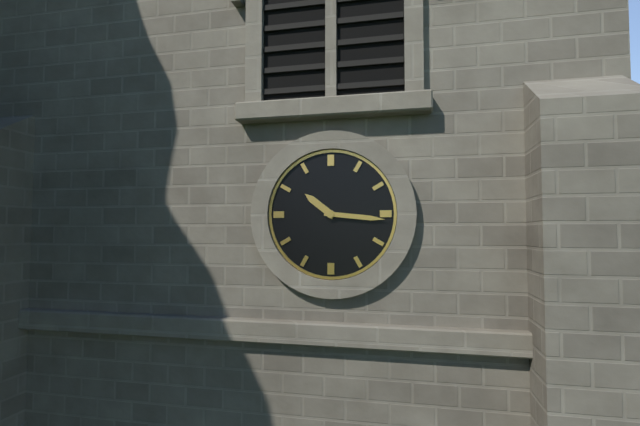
10:16
